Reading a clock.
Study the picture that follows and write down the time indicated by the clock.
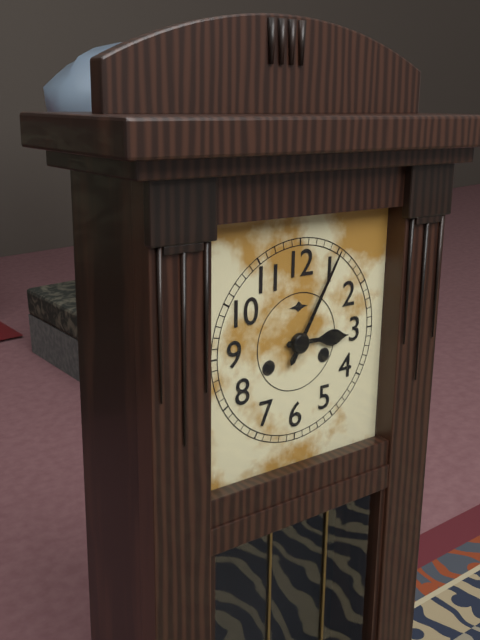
3:05
